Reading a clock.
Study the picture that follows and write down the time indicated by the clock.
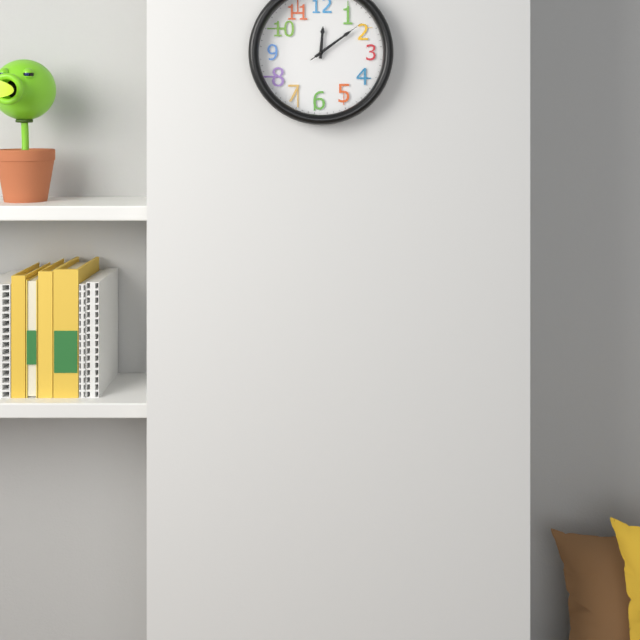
12:09:09
